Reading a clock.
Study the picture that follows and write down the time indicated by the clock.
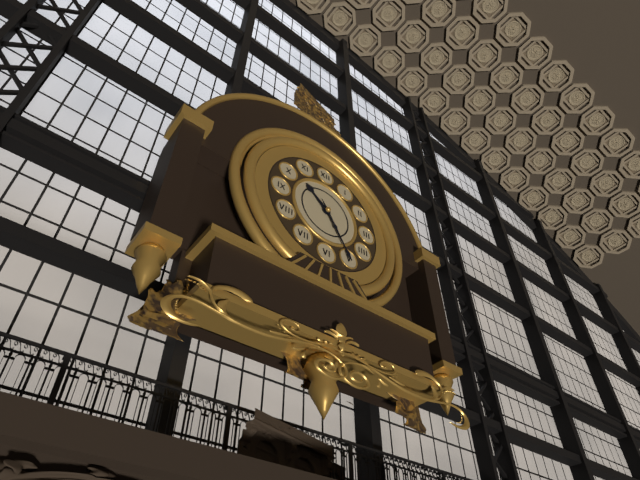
10:25
